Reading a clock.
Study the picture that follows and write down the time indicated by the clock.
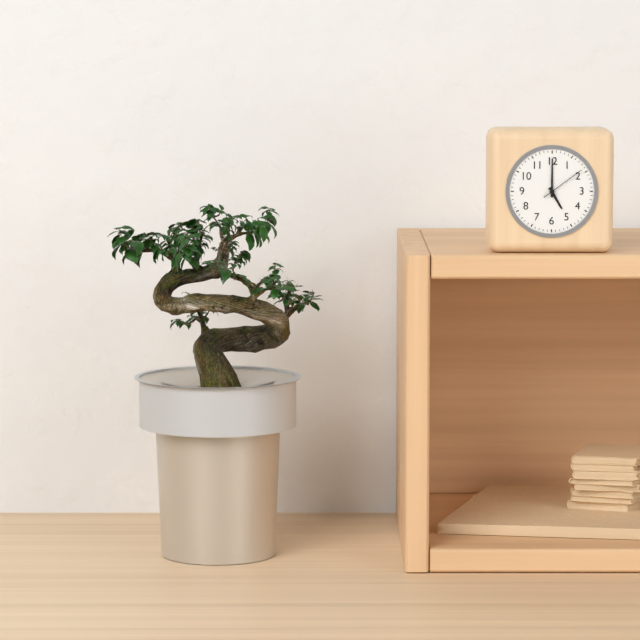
5:00
